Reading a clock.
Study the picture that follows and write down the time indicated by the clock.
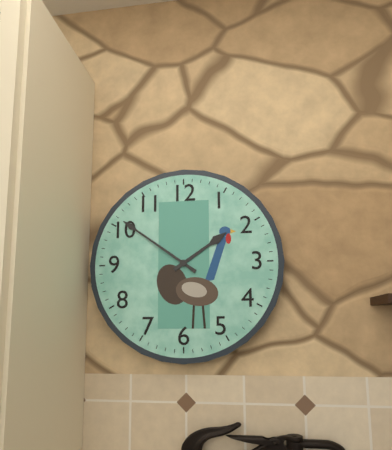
1:51
